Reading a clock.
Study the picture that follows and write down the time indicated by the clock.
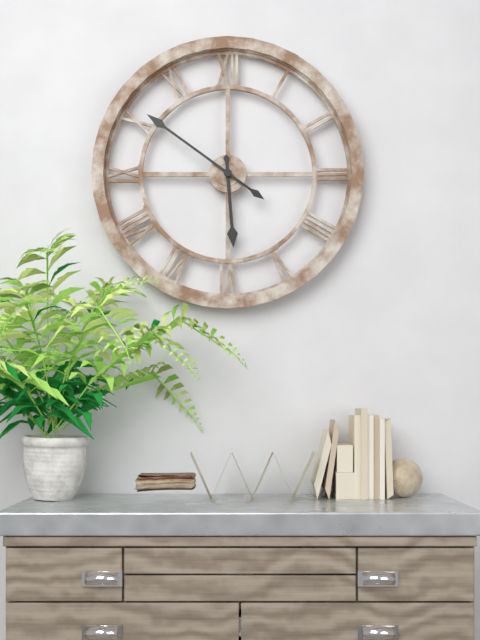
5:51
